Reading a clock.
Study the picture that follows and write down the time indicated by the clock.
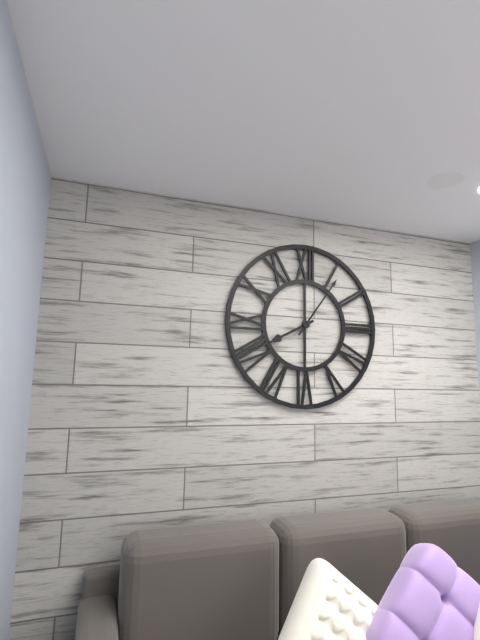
8:06
